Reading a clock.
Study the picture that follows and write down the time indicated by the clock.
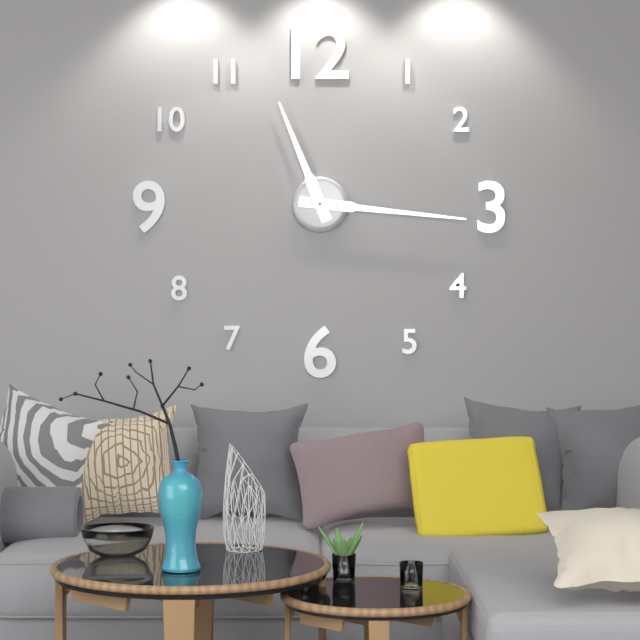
11:16
